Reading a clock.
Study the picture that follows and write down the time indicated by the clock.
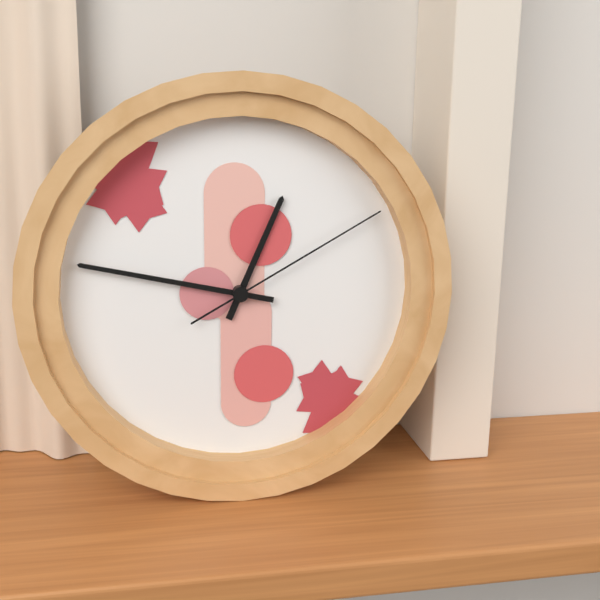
12:47:10
